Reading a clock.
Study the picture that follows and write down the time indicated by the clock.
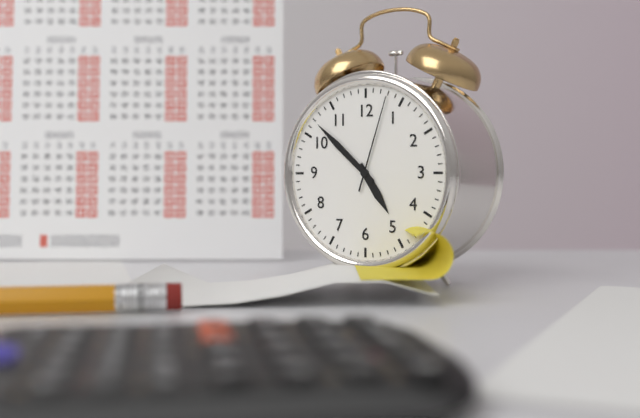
4:52:03
